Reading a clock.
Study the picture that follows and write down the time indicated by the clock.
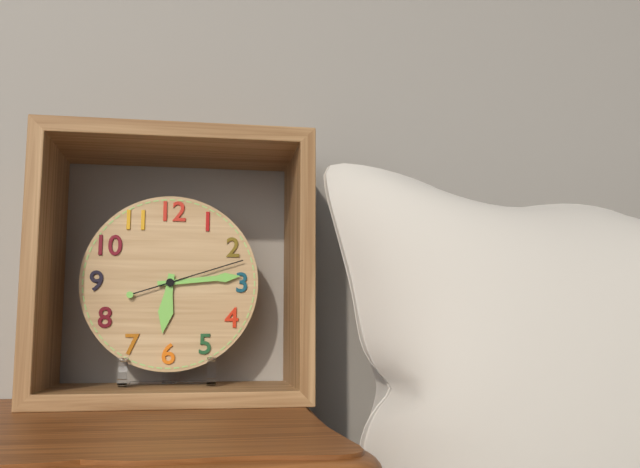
6:14:12
